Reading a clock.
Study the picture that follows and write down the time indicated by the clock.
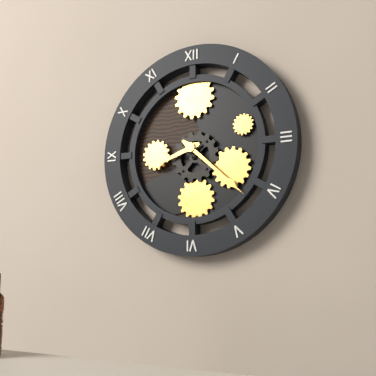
8:22
